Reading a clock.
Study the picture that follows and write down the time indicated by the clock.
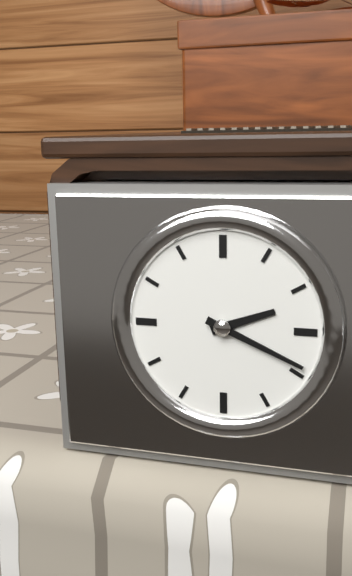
2:19
